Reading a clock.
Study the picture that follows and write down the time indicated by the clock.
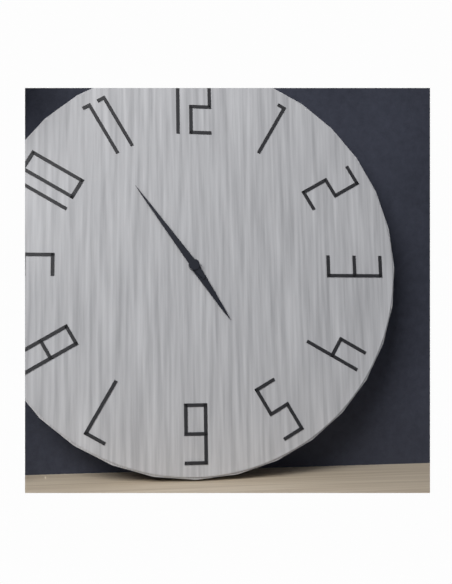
4:54
